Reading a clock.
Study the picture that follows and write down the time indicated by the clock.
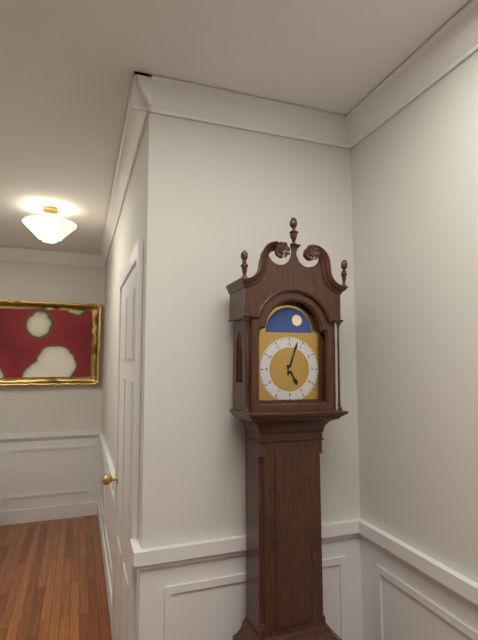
5:03
